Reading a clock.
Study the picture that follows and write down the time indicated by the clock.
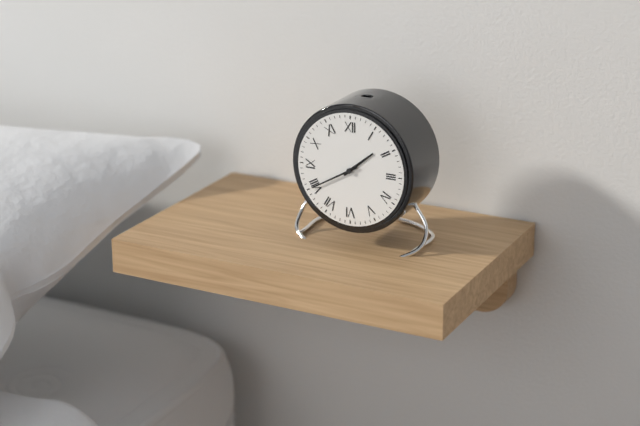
1:40
